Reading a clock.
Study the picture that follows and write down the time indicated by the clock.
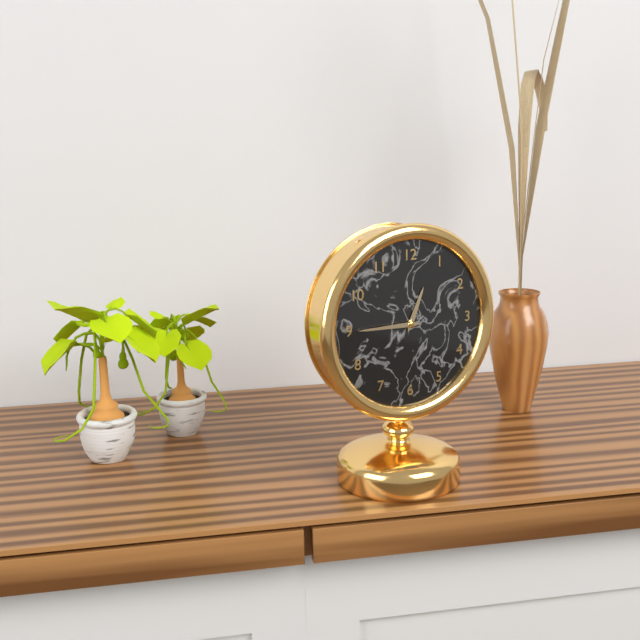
12:45
